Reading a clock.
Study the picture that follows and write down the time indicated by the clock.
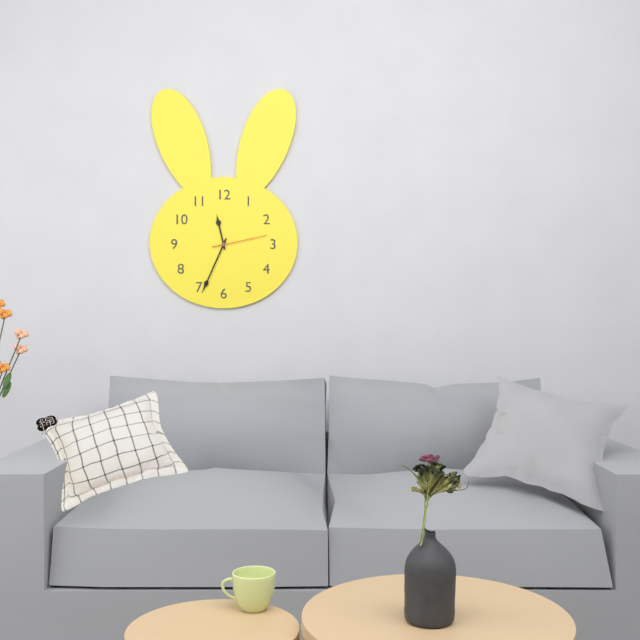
11:34:13
